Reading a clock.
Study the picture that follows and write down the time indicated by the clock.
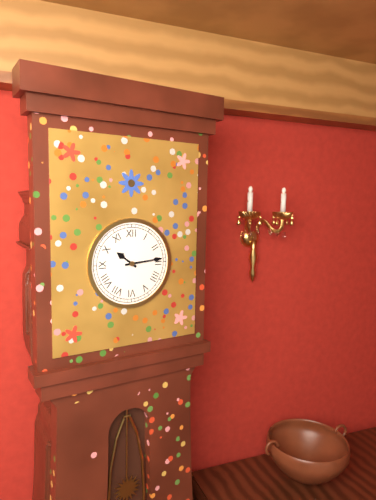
10:14
